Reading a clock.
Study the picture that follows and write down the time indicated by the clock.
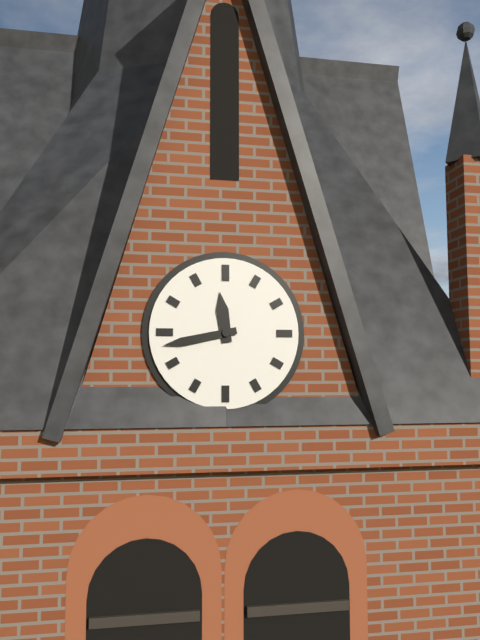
11:43
